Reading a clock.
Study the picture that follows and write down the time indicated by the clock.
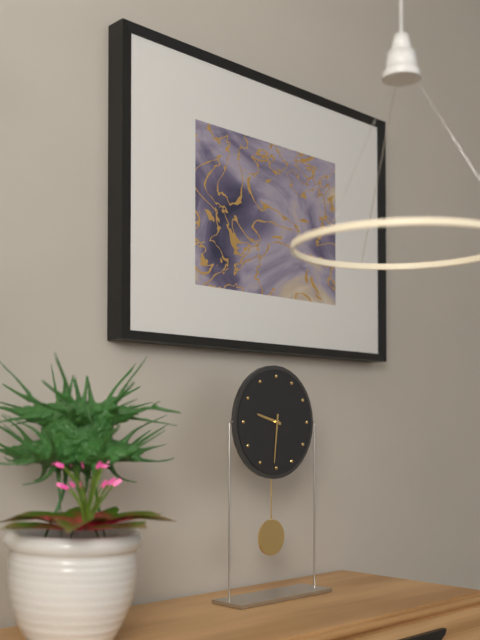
9:31
